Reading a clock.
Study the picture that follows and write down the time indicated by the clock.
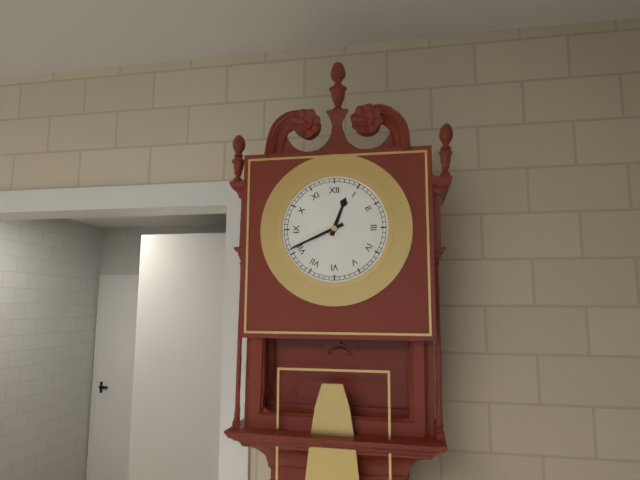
12:41
